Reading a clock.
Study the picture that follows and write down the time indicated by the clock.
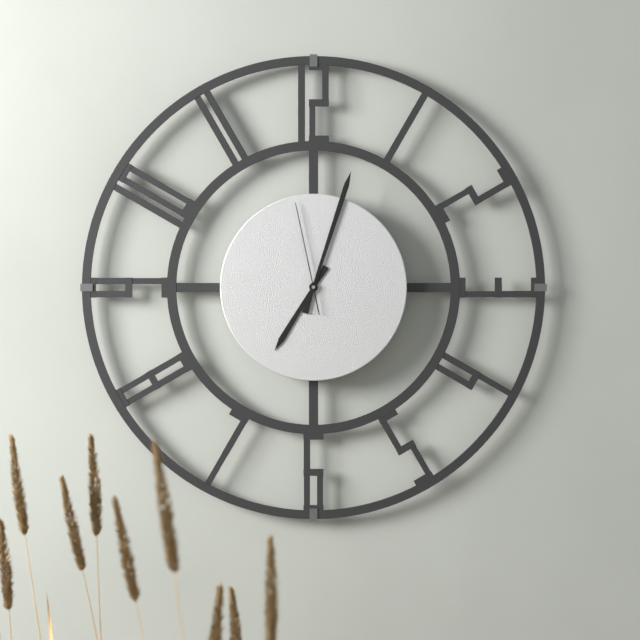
7:03:58
